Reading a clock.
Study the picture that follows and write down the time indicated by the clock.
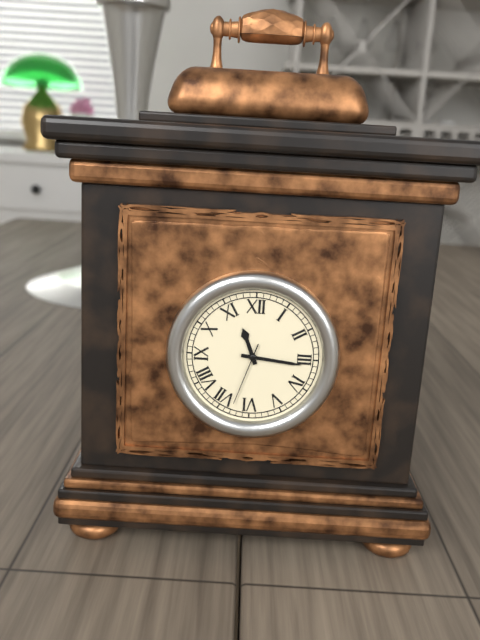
11:16:33
